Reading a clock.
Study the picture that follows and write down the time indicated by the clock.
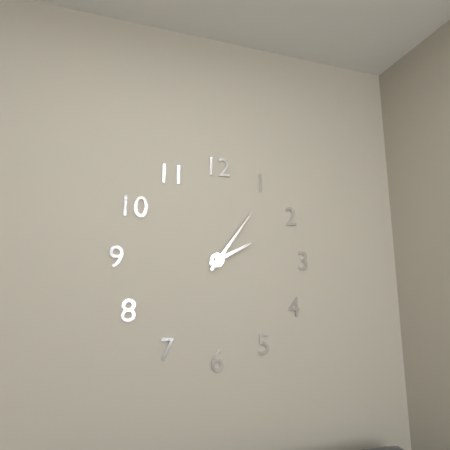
2:06
